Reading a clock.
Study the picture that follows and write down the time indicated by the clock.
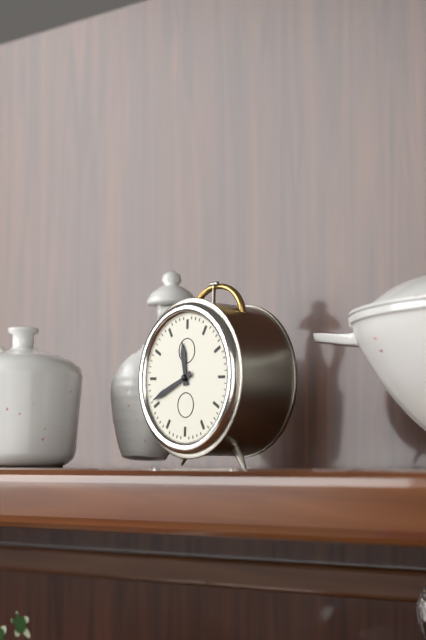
11:41
